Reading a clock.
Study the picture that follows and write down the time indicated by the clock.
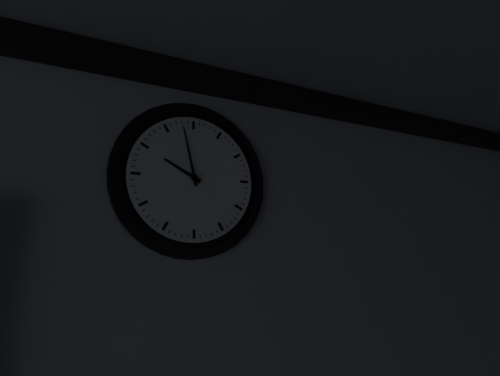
9:58
